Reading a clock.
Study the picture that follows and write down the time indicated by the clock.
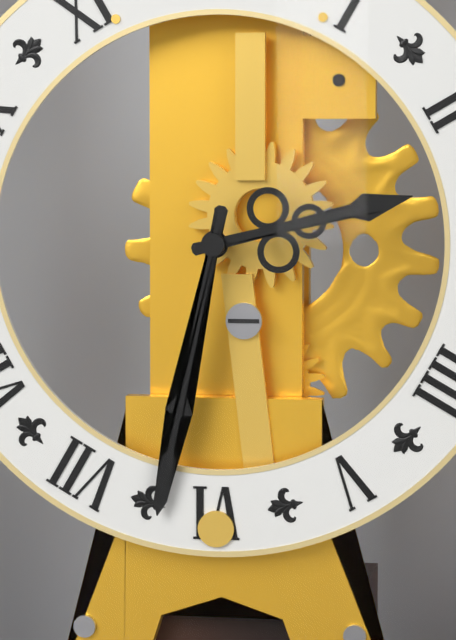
2:32
